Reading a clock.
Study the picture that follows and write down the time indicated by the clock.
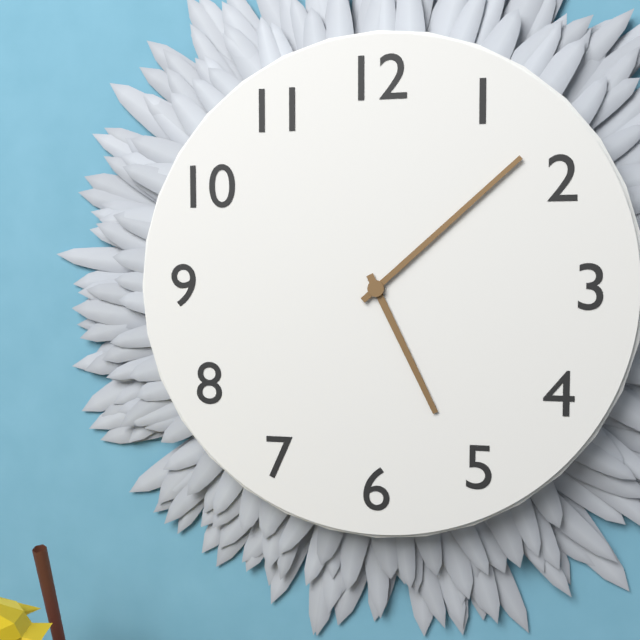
5:08
